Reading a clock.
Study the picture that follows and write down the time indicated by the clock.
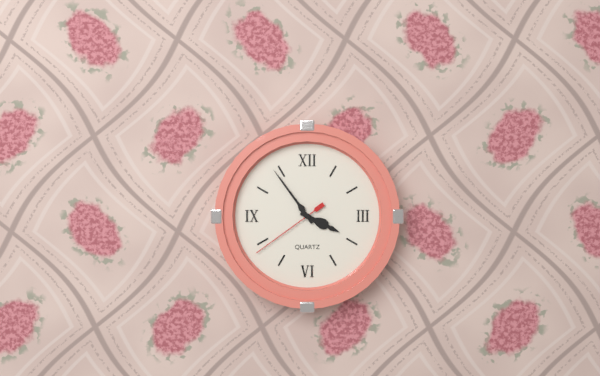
3:54:39
